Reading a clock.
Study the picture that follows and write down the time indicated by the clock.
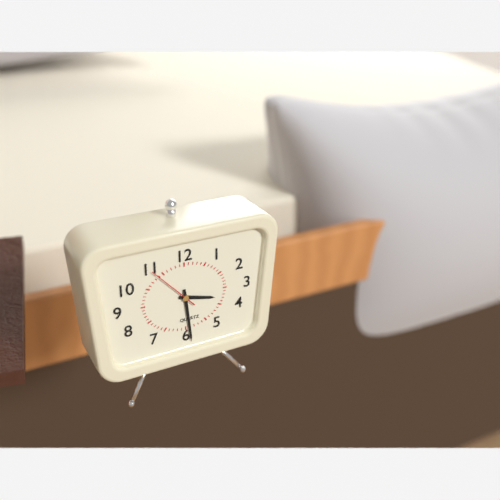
3:29:53
